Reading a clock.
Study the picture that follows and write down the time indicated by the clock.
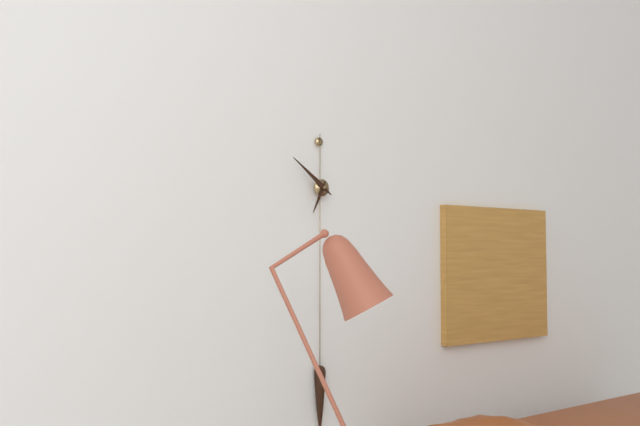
6:51
